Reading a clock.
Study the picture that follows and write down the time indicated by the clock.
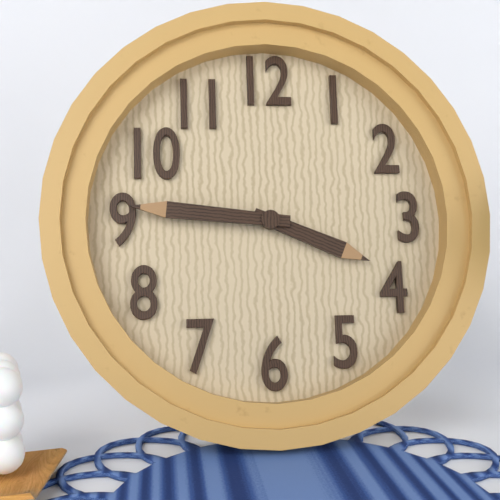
3:46
